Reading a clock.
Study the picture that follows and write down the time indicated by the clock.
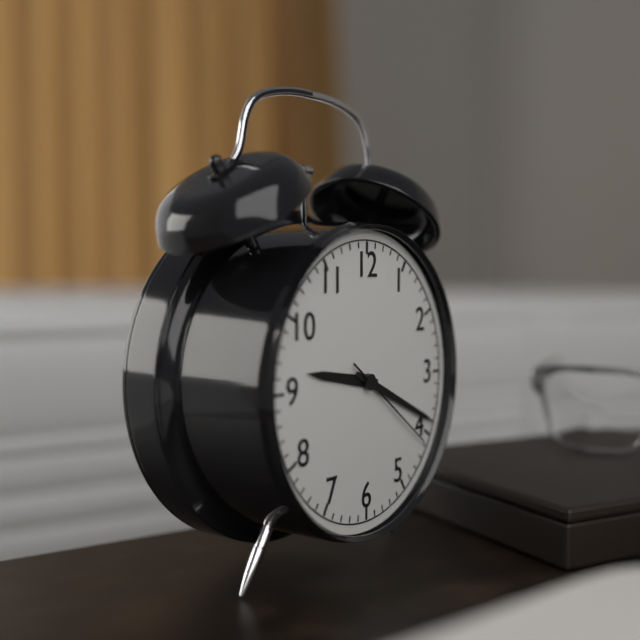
9:19:21
